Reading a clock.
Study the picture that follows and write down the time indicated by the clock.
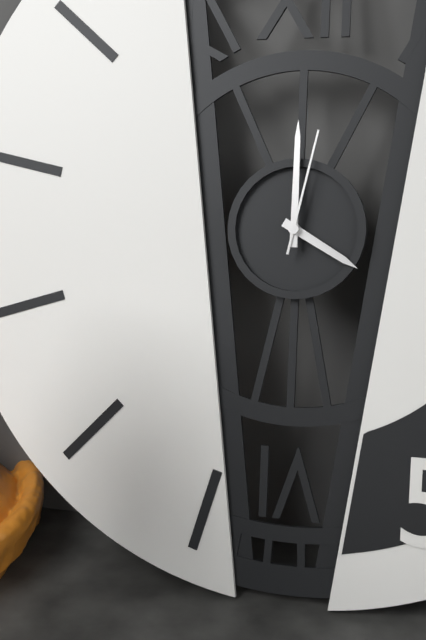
4:00:02
